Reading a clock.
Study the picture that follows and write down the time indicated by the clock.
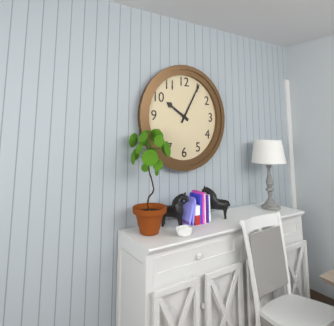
10:05
